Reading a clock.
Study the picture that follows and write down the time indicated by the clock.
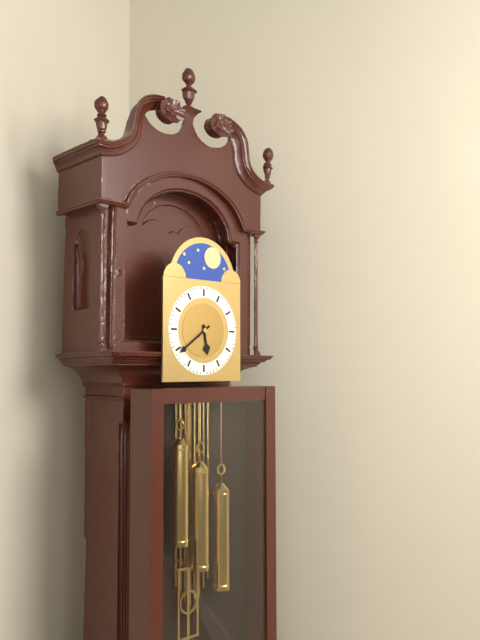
5:39
